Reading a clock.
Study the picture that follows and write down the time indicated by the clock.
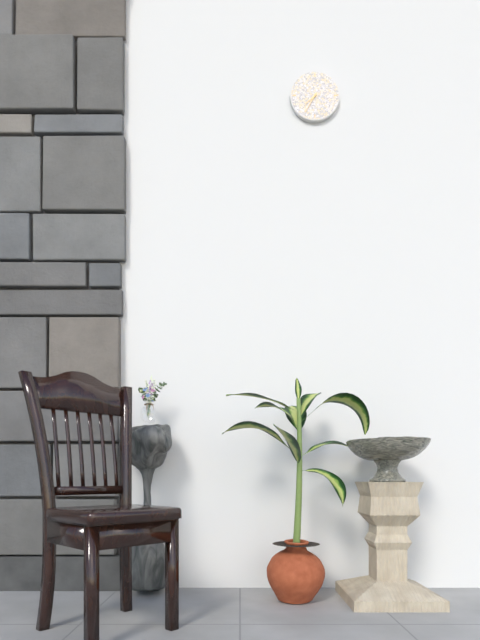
7:35
